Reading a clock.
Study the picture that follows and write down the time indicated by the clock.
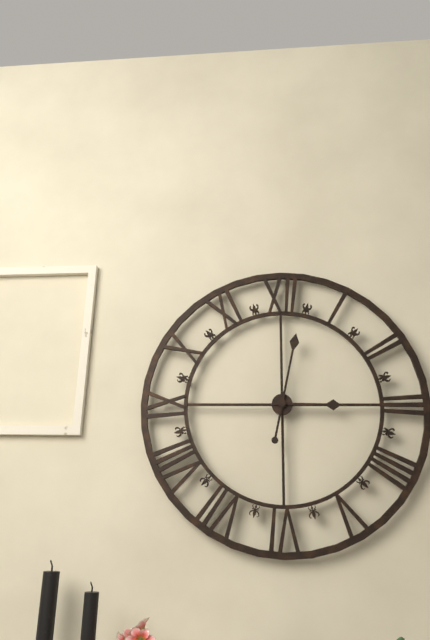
3:02
